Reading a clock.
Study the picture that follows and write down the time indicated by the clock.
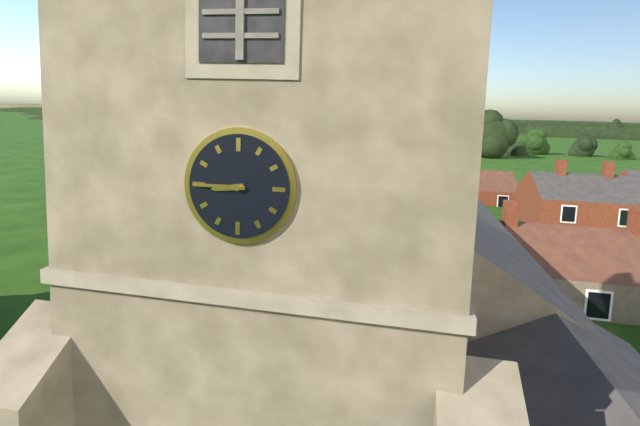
8:45
